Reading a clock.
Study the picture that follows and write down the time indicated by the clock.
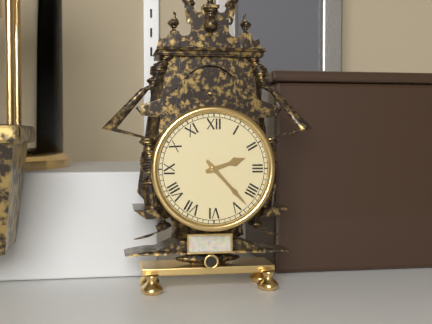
2:23
